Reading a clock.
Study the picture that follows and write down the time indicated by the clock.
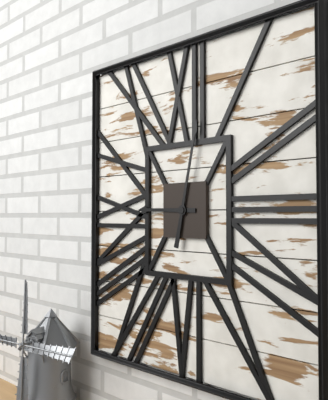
9:02
